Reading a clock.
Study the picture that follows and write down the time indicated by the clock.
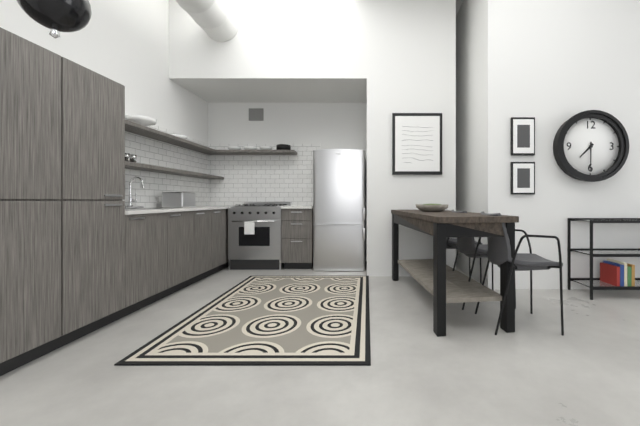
7:30
